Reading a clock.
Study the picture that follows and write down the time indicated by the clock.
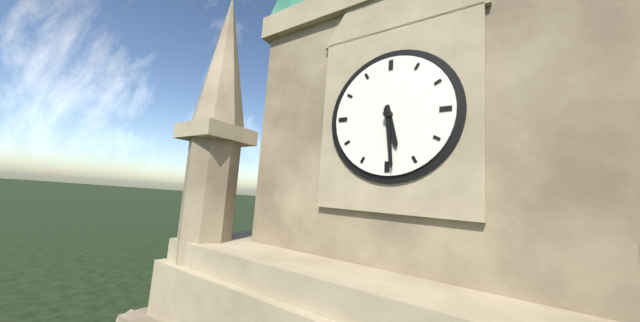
5:29
